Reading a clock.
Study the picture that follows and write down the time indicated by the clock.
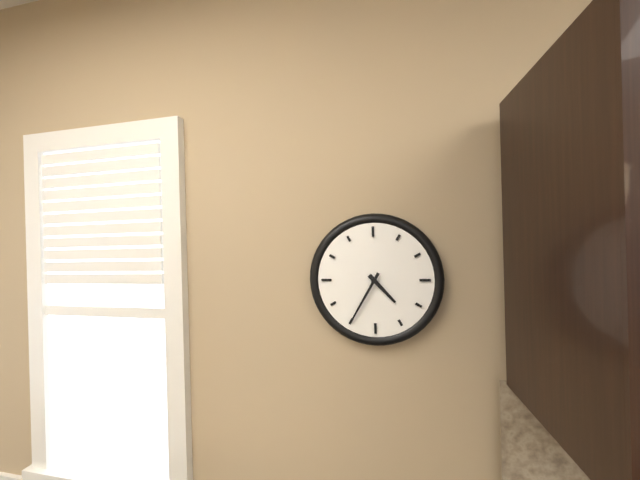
4:35
